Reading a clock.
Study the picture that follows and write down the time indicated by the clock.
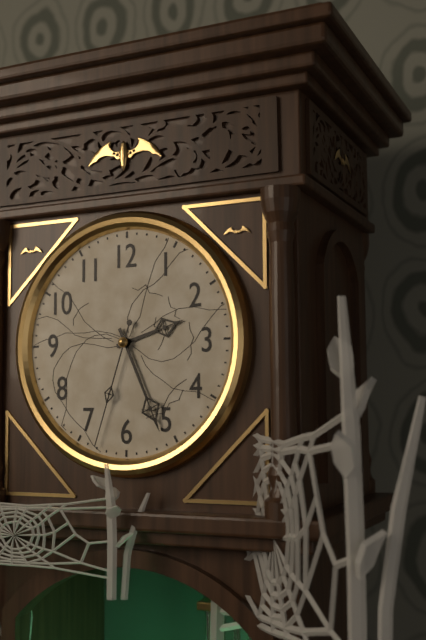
2:26:33
